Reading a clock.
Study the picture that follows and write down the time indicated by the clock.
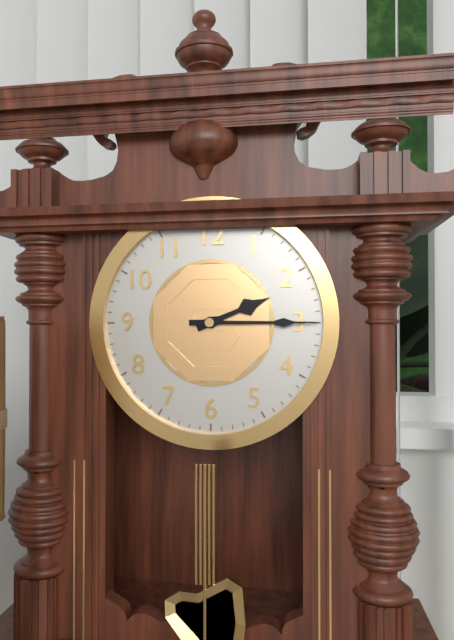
2:15
